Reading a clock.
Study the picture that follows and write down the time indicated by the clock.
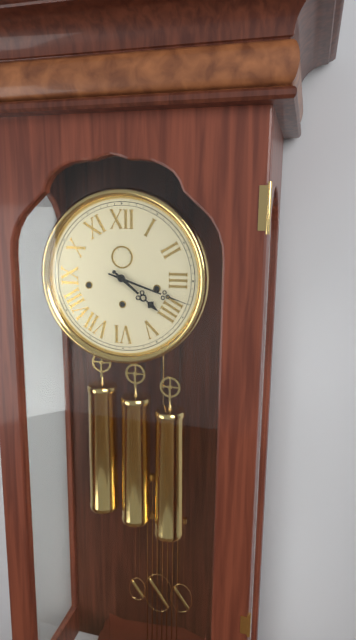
4:18
